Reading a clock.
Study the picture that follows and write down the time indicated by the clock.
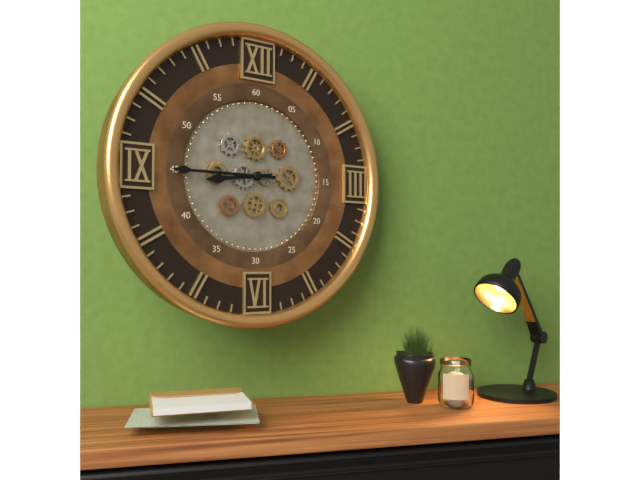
8:45
